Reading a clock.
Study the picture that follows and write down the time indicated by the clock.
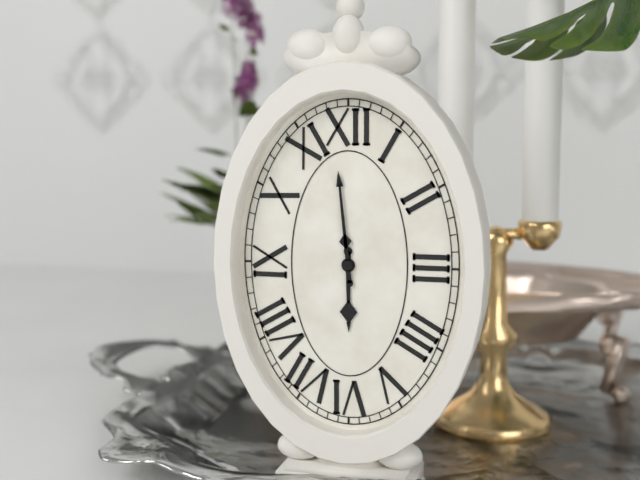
5:59
